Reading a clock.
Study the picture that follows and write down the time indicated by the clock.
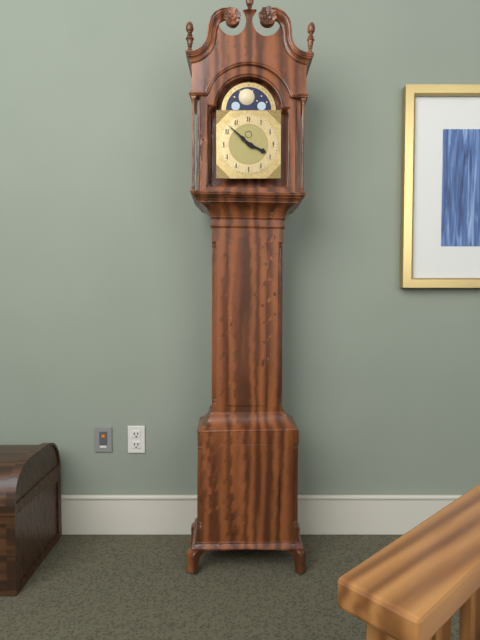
3:52
